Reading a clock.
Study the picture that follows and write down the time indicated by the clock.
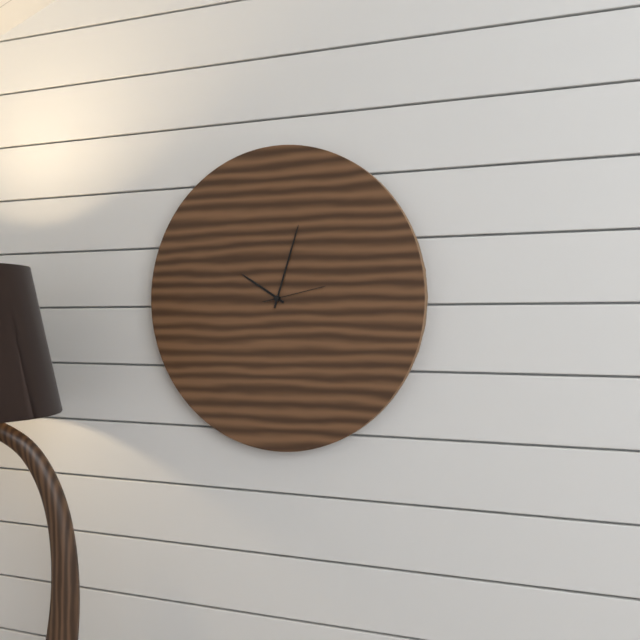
10:03:13
